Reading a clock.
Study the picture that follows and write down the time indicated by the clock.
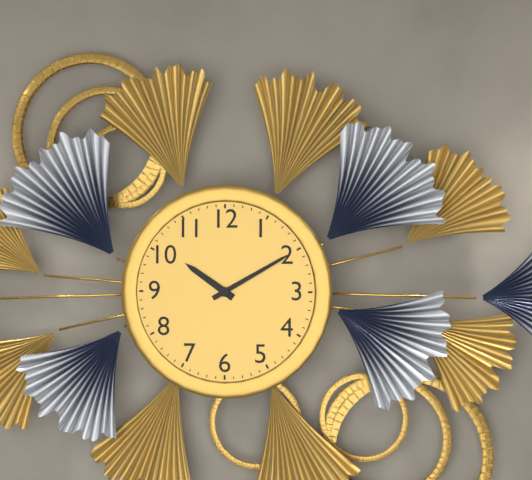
10:10
